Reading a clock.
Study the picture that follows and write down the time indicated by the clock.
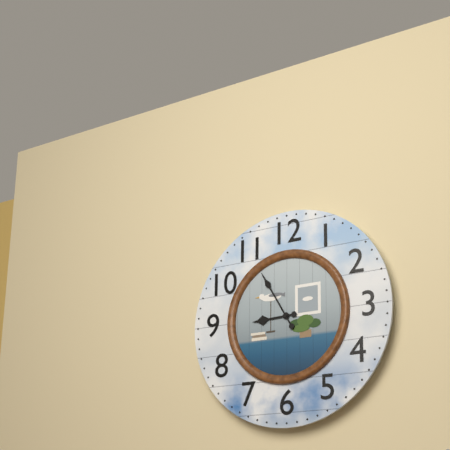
8:55
